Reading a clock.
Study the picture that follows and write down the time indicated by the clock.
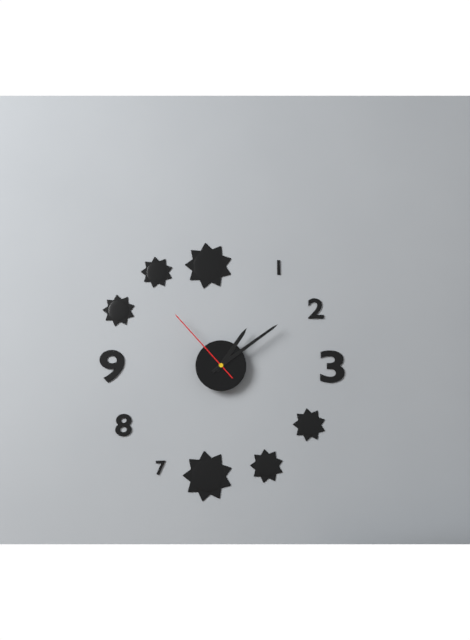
1:09:53
